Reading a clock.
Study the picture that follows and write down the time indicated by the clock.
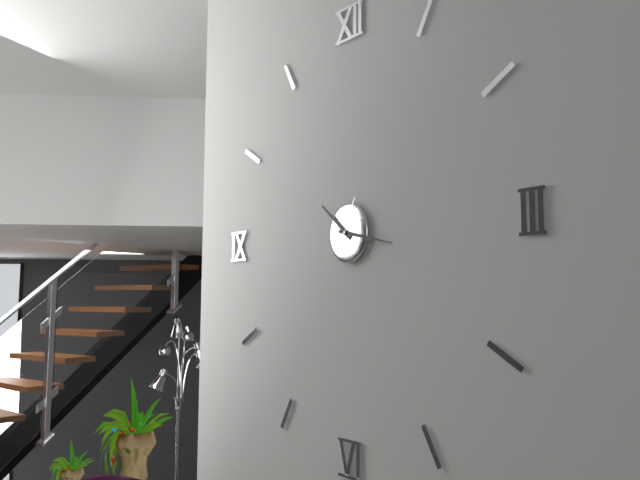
10:17
